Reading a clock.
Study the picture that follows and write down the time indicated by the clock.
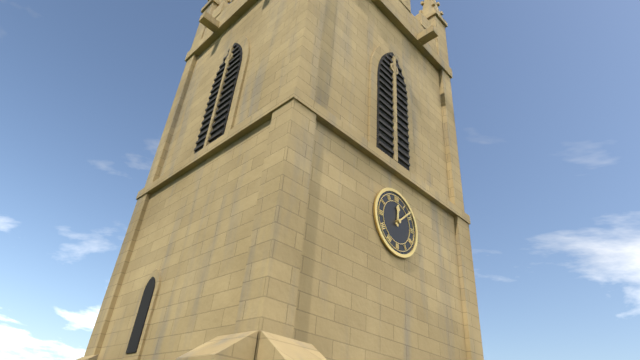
12:08
